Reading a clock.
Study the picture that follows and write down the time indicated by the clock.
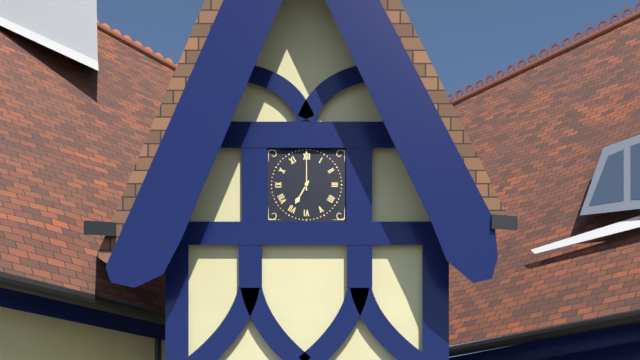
7:00
